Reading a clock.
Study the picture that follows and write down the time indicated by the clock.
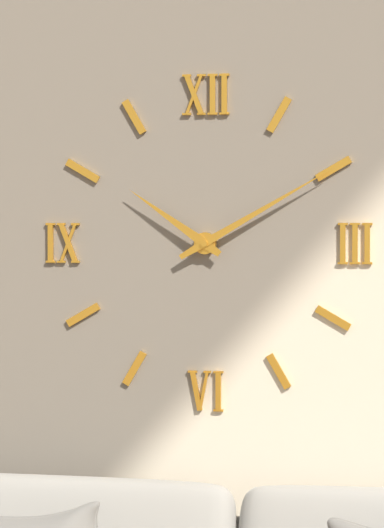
10:10
